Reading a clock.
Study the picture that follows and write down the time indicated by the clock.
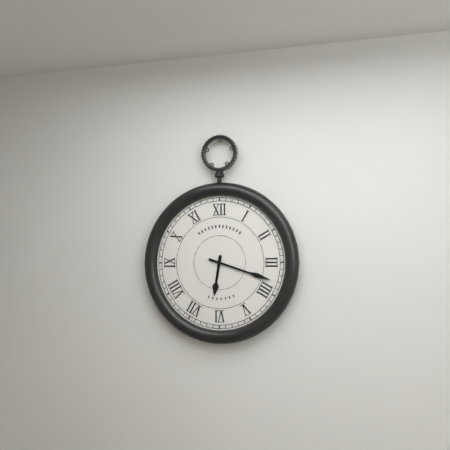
6:18
